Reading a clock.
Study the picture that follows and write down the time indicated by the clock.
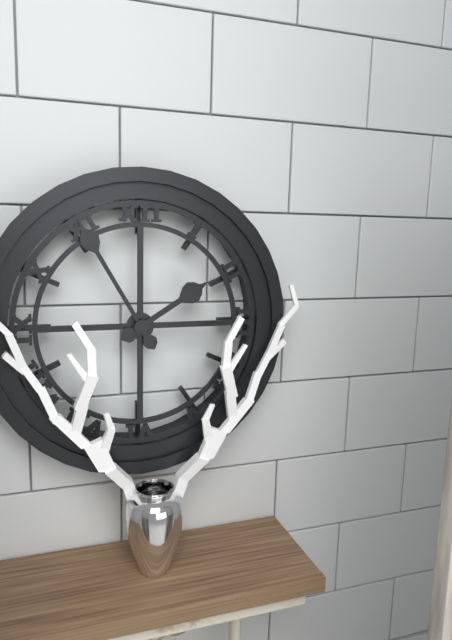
1:55
